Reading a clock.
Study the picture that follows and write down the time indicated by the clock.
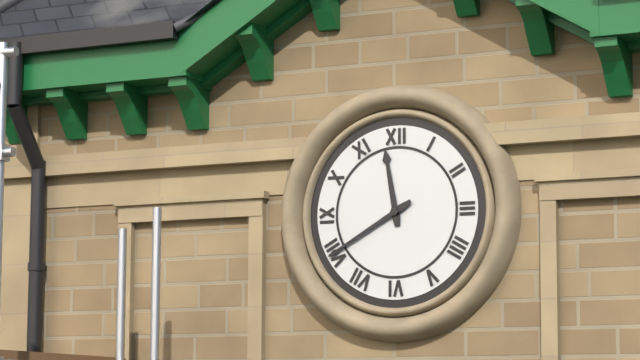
11:40
